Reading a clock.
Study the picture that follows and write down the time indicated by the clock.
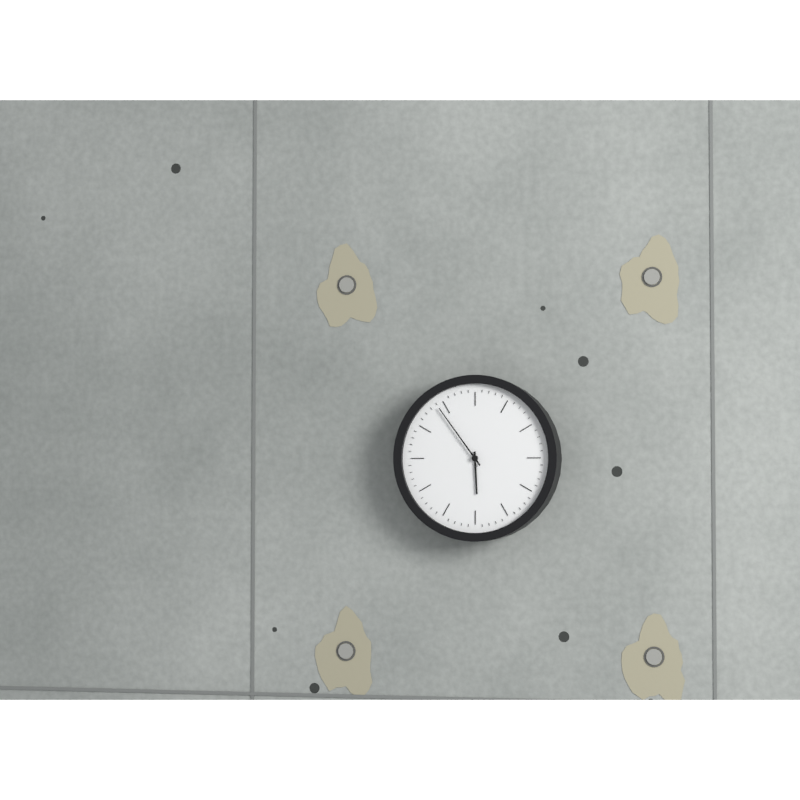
5:54
